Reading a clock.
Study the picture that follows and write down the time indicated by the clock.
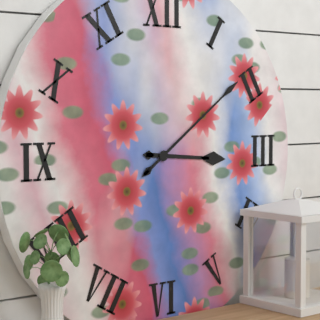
3:09
